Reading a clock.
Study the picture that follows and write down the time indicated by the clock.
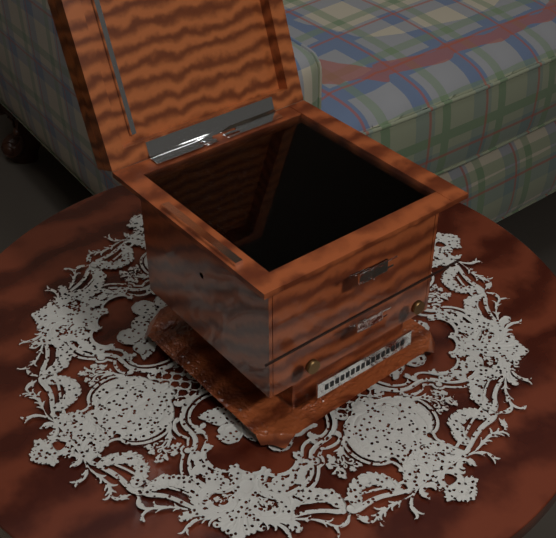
7:45
